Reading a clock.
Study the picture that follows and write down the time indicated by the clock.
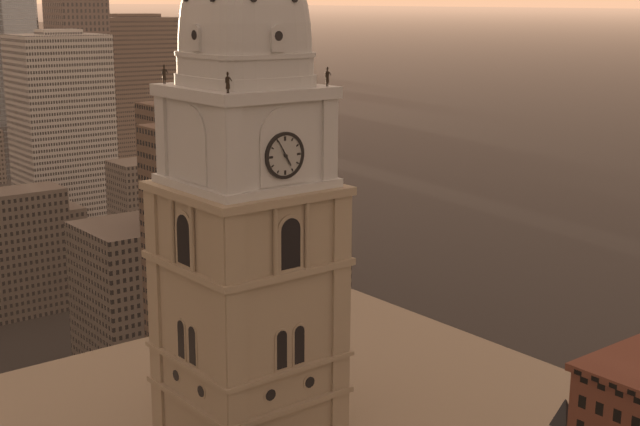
4:55
